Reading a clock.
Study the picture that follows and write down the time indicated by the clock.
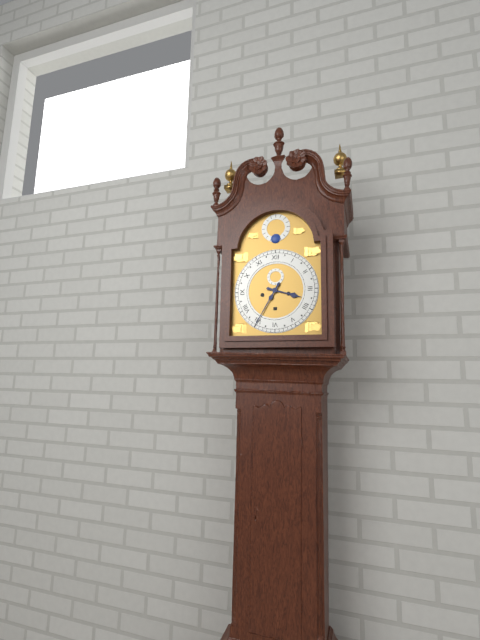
3:35
